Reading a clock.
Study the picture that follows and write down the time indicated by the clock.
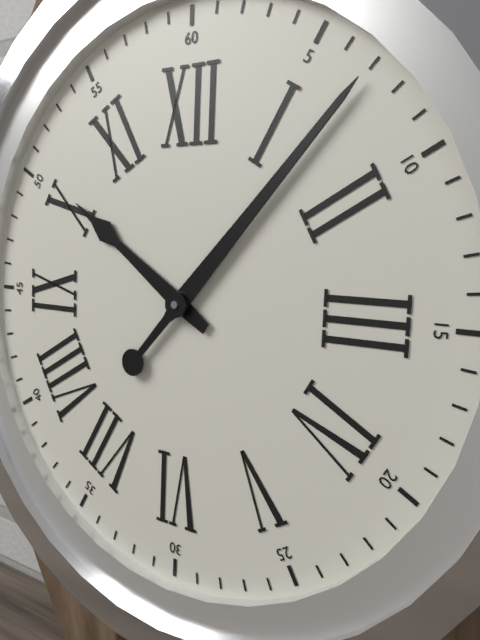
10:07
